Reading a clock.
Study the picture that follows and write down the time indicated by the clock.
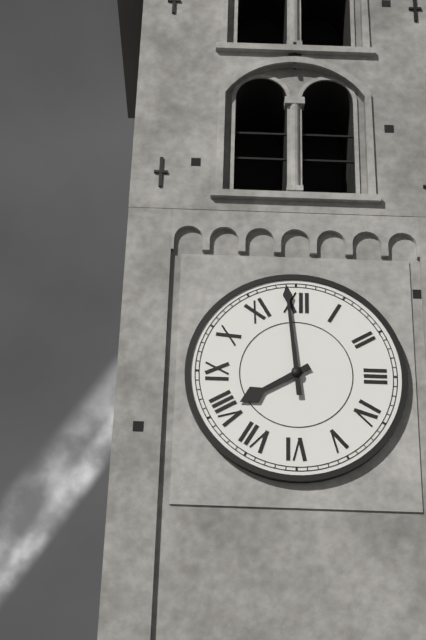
7:59
